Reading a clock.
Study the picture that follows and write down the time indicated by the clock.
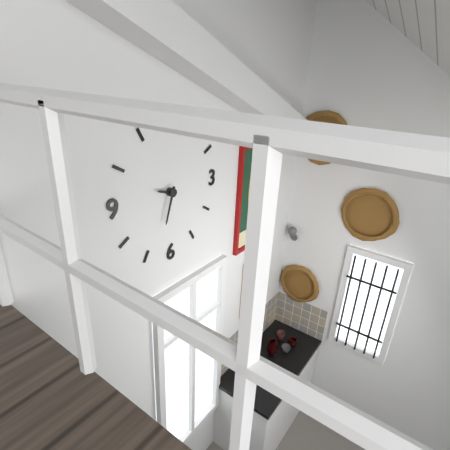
9:33
